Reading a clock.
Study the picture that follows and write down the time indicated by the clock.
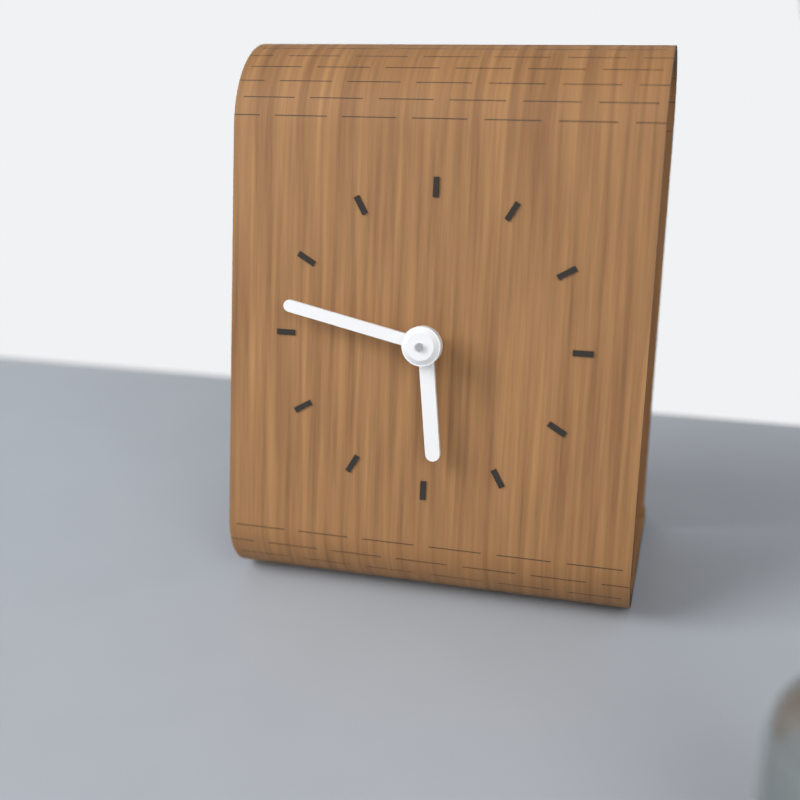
5:47
